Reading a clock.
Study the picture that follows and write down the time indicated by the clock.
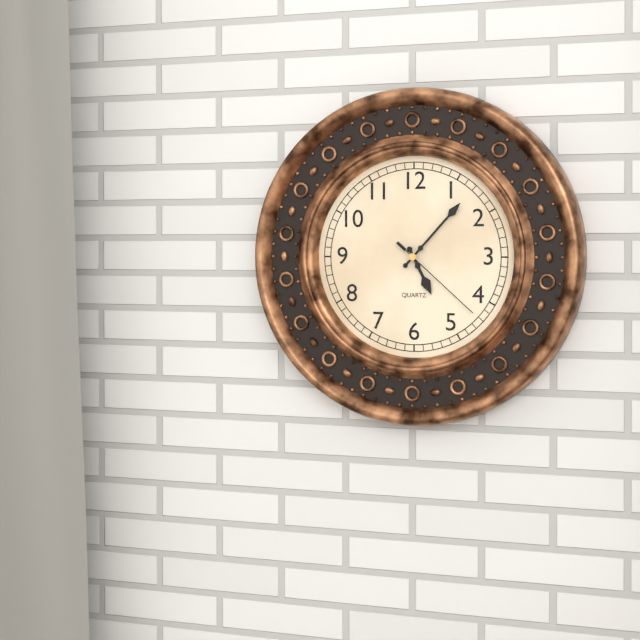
5:07:22
